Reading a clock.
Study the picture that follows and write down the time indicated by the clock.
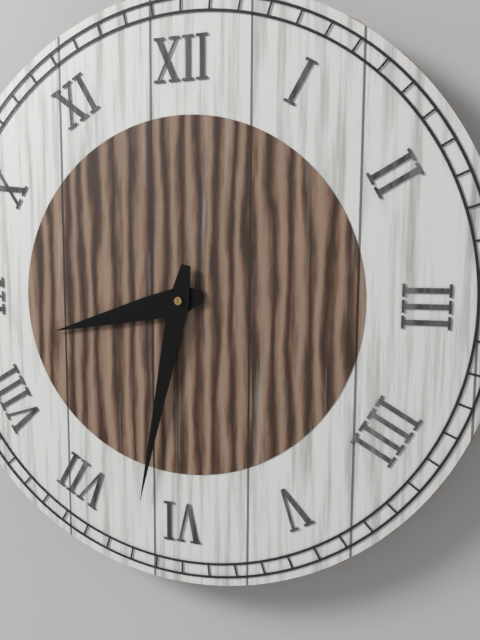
8:32
